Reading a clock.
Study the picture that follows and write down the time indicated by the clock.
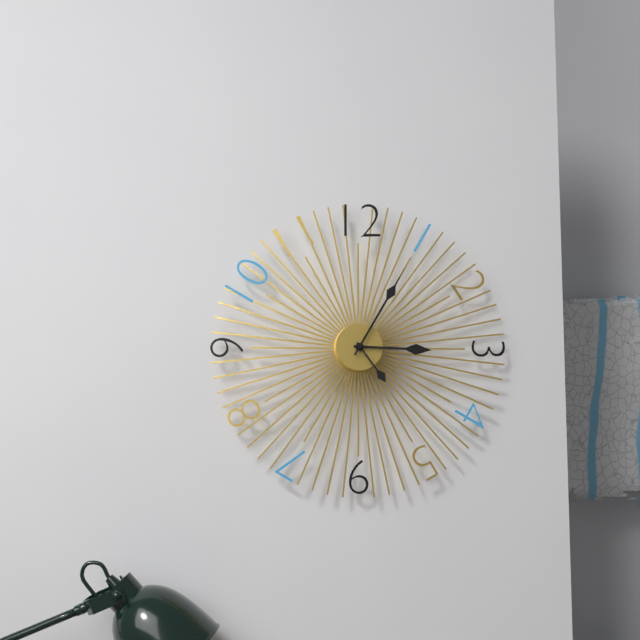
3:05:24
